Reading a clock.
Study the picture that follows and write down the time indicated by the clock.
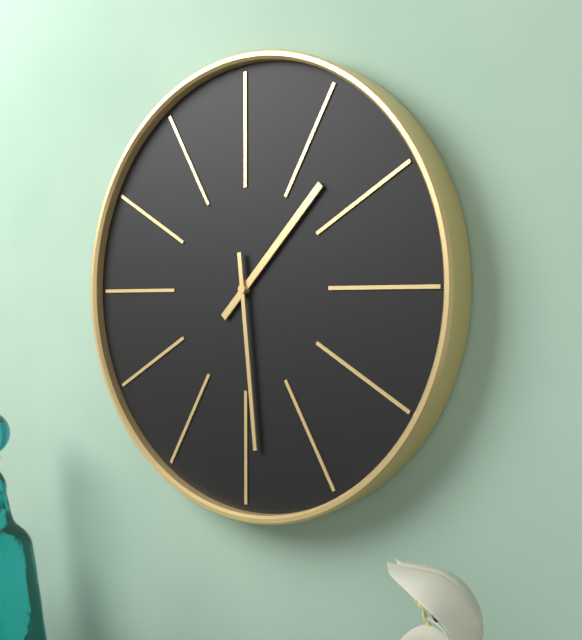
1:29
